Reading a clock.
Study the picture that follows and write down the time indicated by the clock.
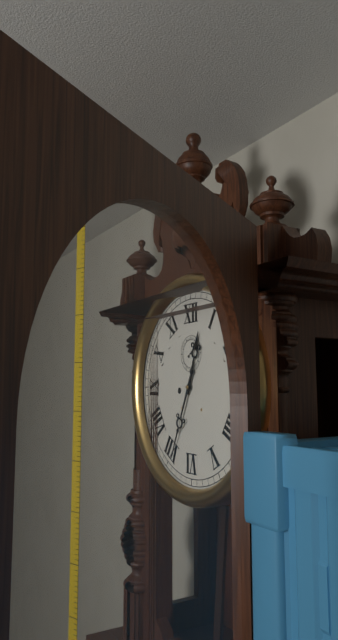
12:34
